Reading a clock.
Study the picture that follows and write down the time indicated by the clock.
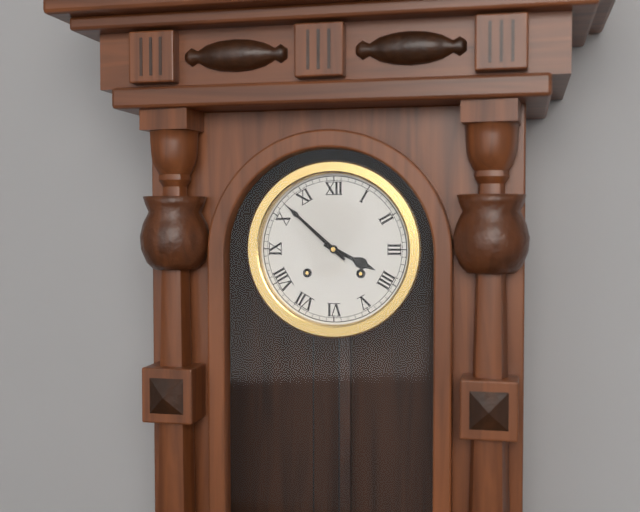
3:52
